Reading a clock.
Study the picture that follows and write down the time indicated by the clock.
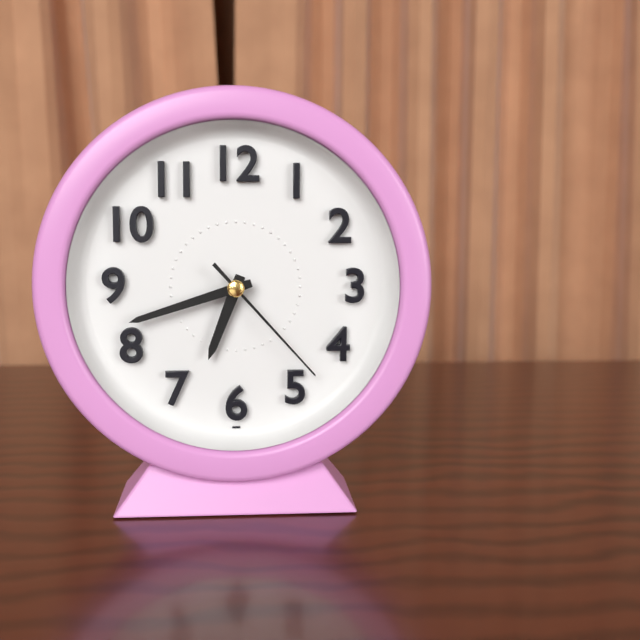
6:42:23
